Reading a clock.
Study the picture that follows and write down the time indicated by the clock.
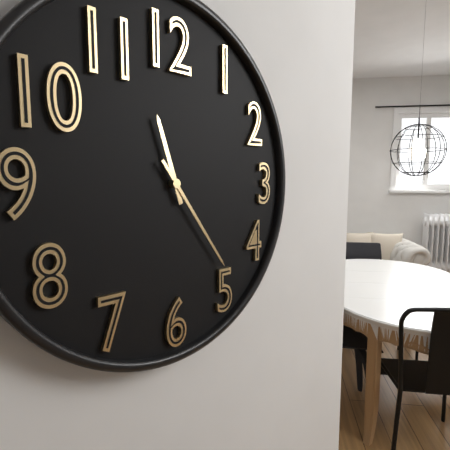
11:24
